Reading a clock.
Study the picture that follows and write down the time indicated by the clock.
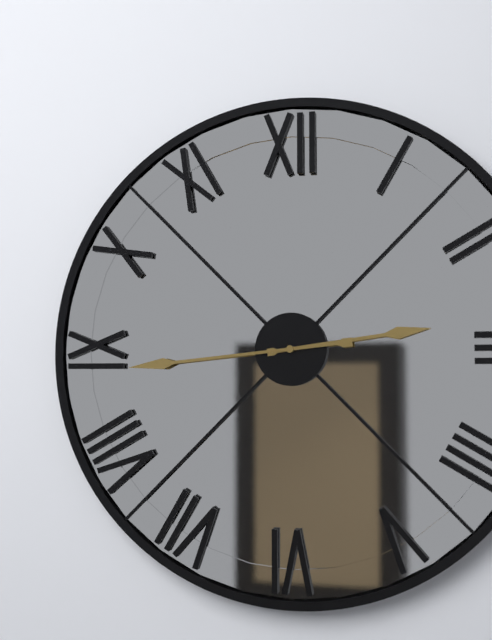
2:44
